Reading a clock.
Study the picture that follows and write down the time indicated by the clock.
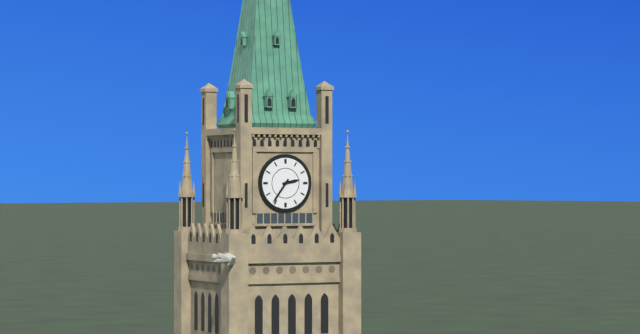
2:36
